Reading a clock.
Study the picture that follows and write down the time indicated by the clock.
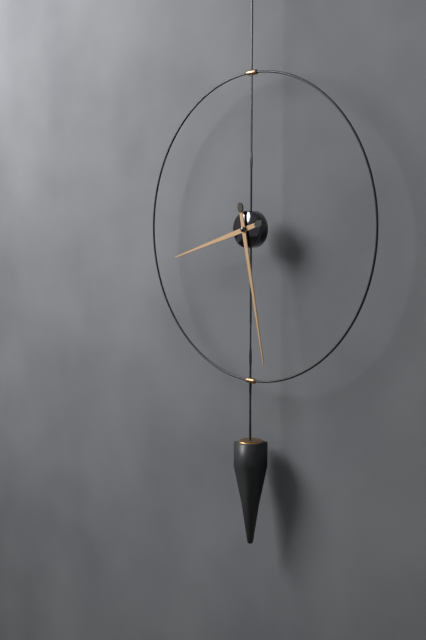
8:28
